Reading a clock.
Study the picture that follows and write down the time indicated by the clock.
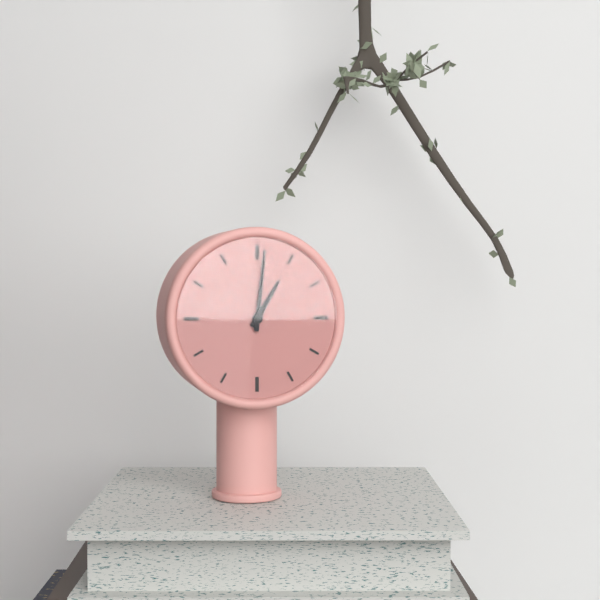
1:01
